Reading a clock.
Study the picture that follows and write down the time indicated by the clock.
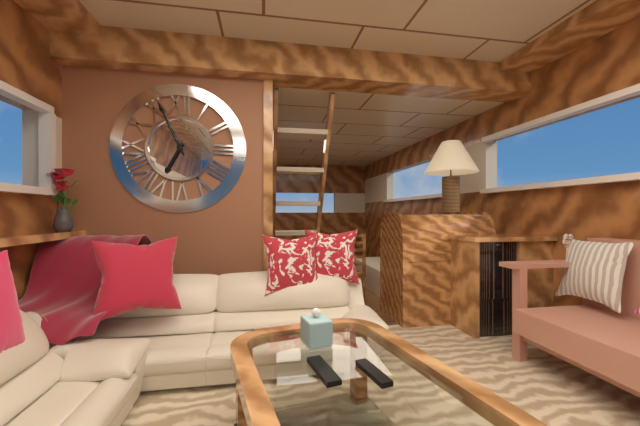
6:56
